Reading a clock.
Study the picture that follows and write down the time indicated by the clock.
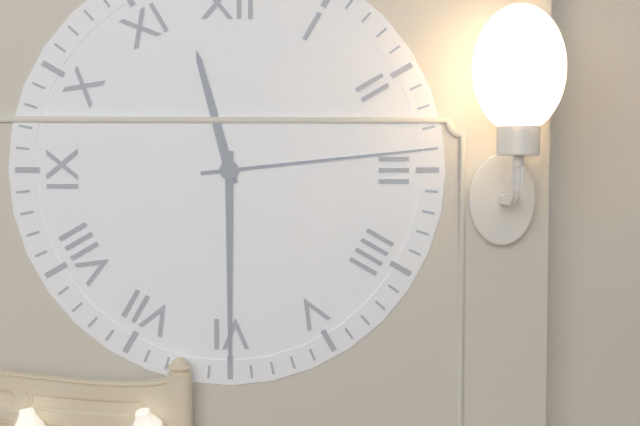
11:30:14
